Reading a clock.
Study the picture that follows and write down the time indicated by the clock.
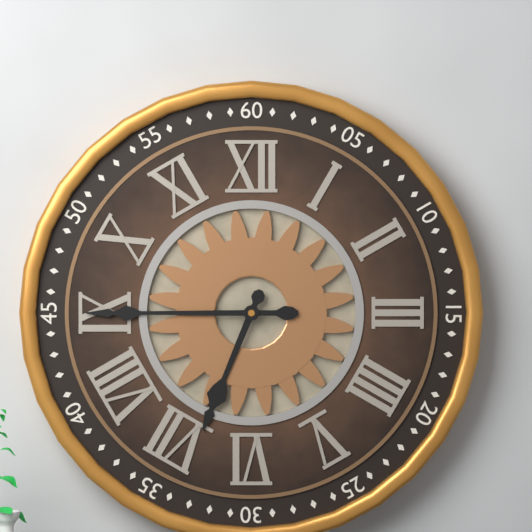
6:45
